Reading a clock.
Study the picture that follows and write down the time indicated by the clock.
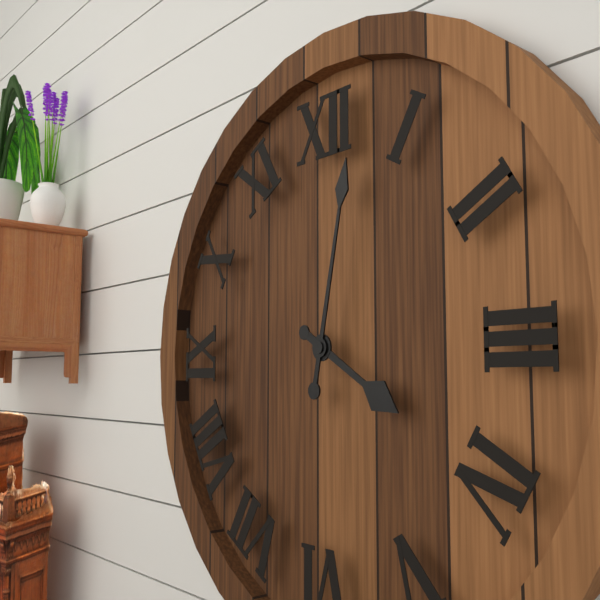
4:02
